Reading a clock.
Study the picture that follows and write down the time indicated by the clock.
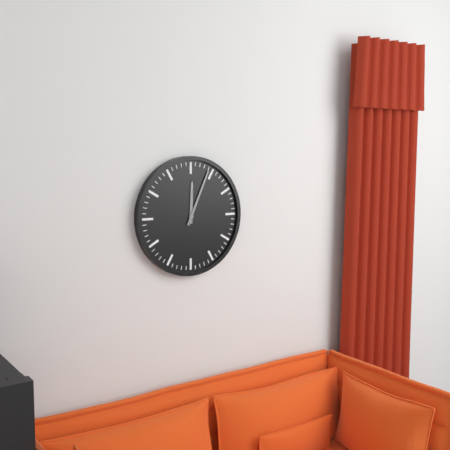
12:04
